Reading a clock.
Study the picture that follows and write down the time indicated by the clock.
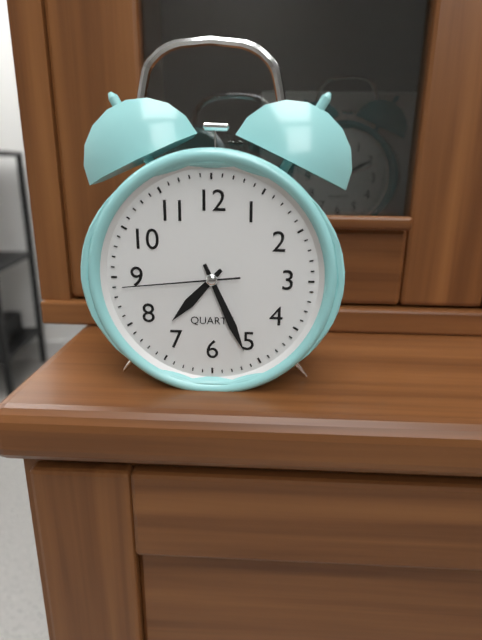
7:26:44
